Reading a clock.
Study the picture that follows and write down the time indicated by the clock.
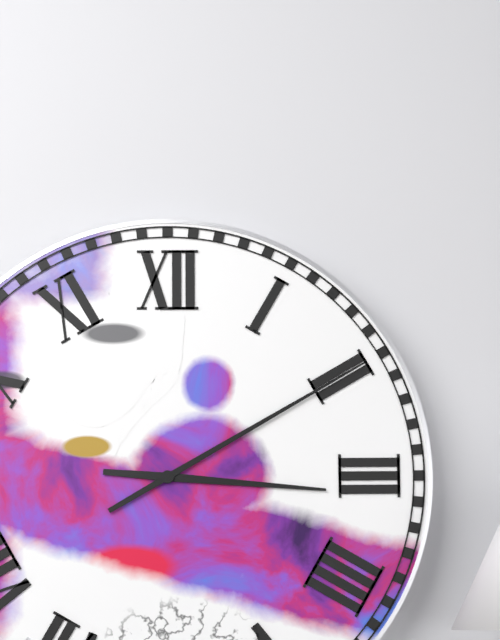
3:10
